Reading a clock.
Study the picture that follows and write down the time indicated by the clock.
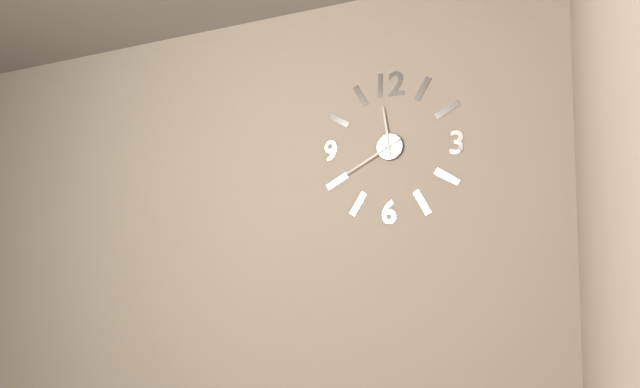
11:40
